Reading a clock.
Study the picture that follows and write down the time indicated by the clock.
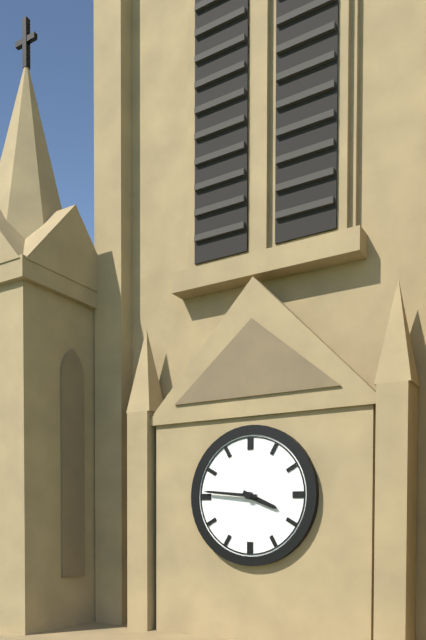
3:46
